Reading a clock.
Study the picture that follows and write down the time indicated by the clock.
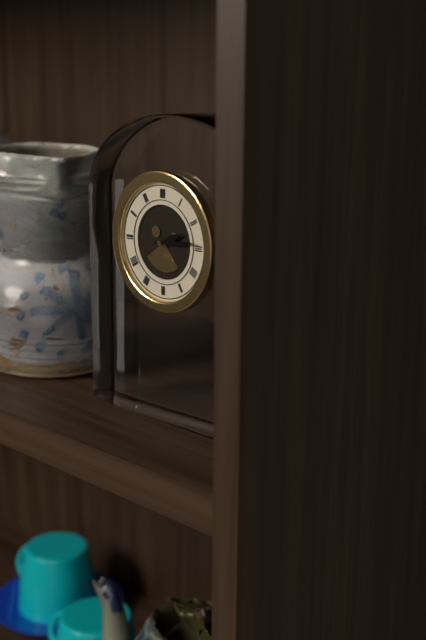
2:14
